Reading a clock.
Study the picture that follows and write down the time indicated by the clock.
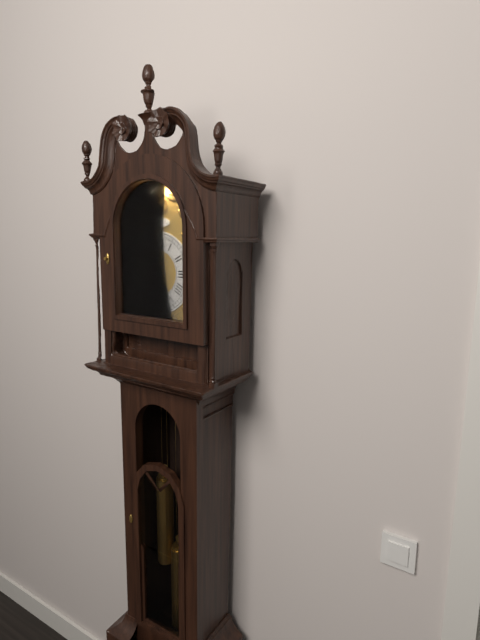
5:35
